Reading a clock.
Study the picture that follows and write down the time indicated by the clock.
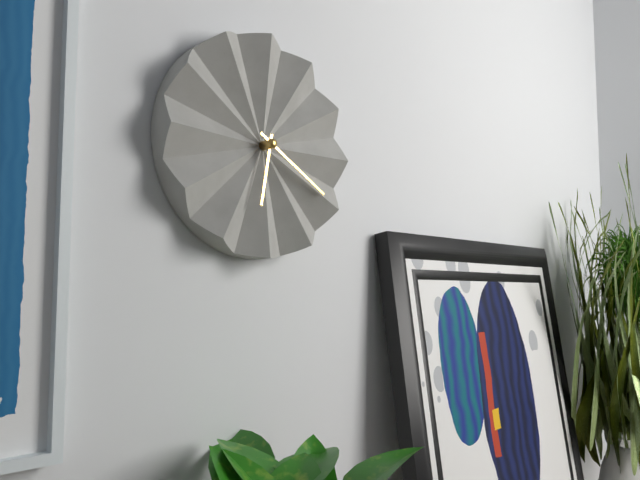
6:20
